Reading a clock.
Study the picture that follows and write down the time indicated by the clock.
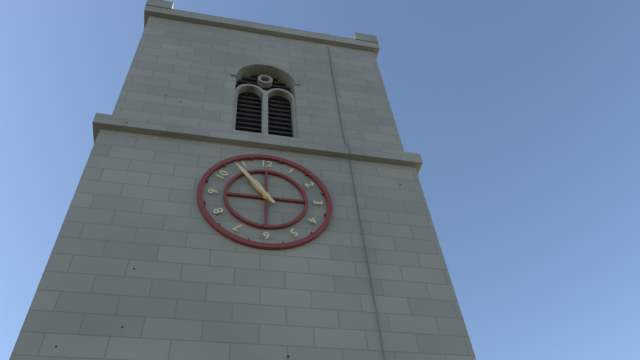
10:54
